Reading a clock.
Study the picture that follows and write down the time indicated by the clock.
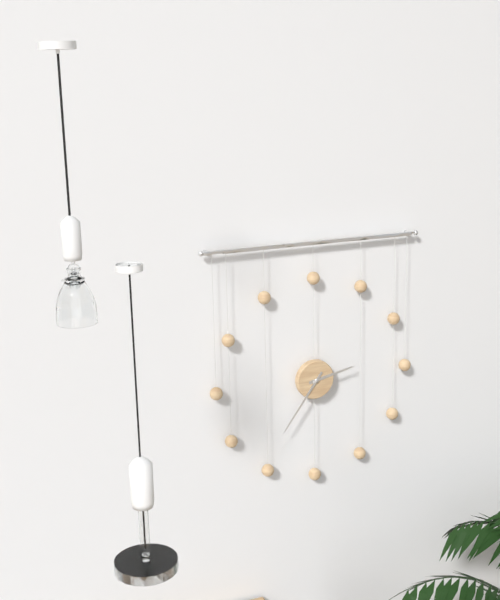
2:36
